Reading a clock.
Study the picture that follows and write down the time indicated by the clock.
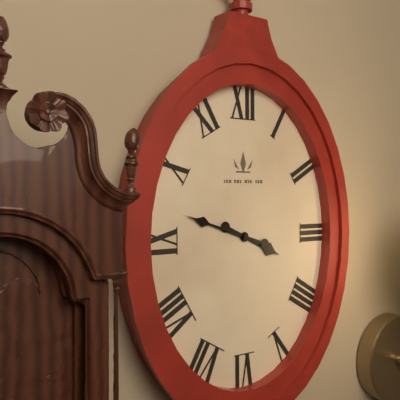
3:48
